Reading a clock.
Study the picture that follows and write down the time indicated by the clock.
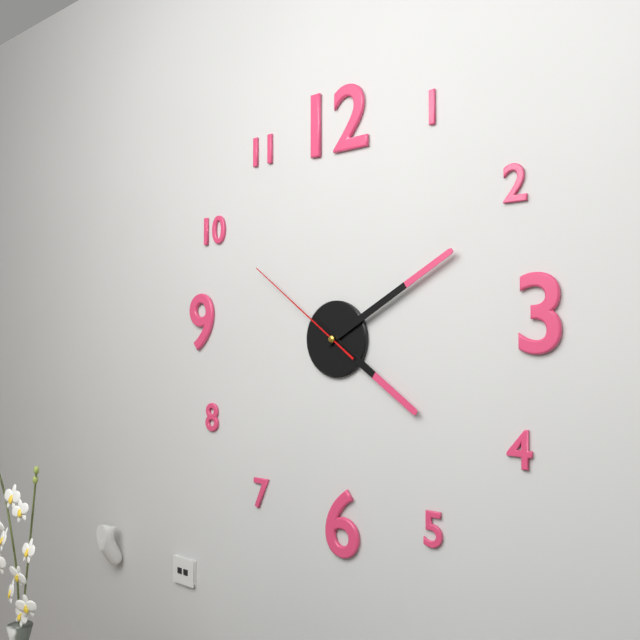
4:10:51
